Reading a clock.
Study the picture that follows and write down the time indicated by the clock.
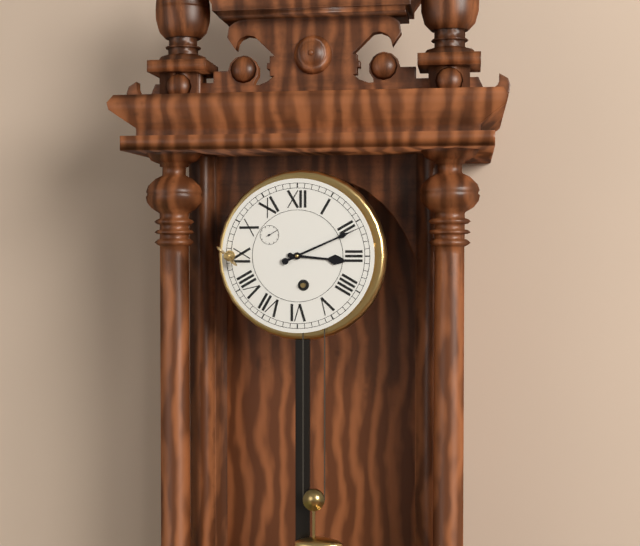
3:11
